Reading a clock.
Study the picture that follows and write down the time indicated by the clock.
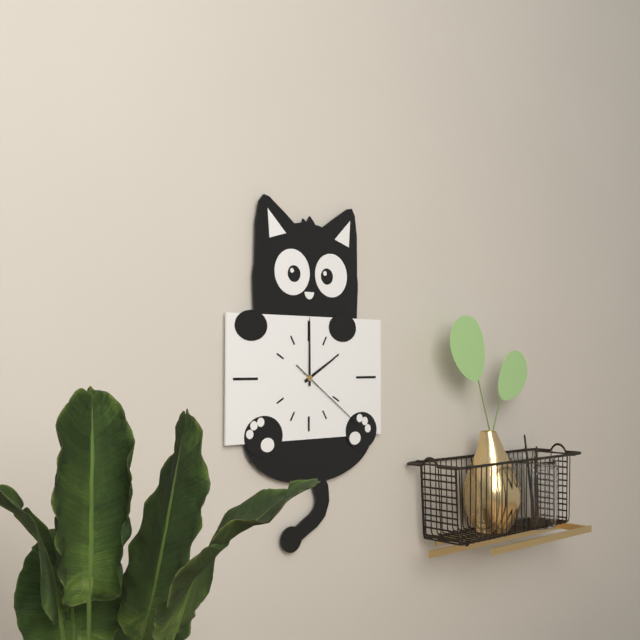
2:00:21
